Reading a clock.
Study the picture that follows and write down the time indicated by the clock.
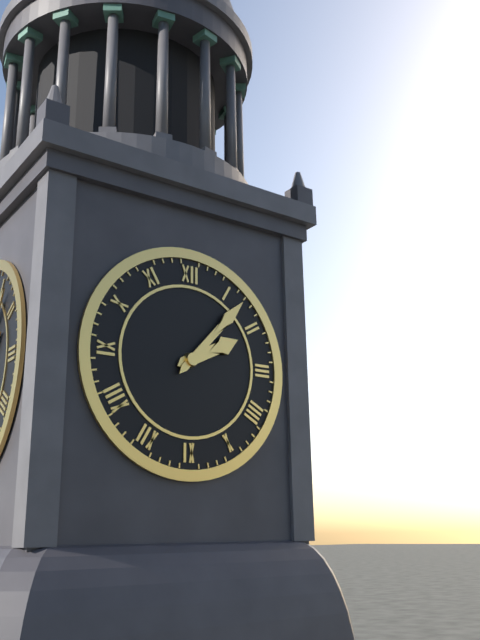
2:07
